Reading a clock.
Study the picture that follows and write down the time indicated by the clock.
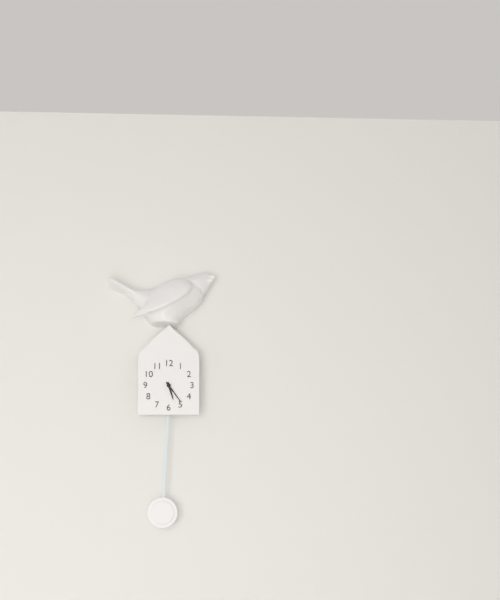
5:24
